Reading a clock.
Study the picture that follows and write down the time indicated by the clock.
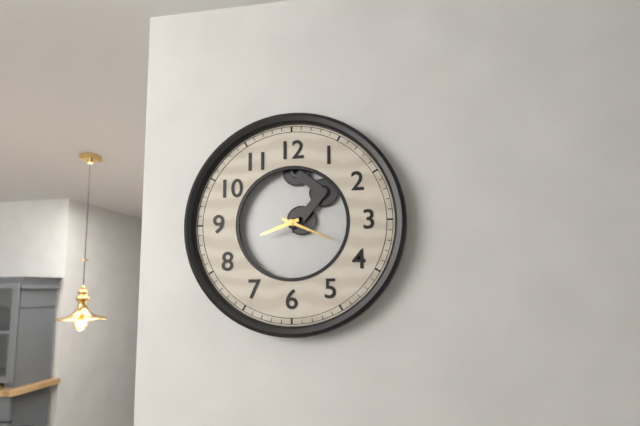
8:19
